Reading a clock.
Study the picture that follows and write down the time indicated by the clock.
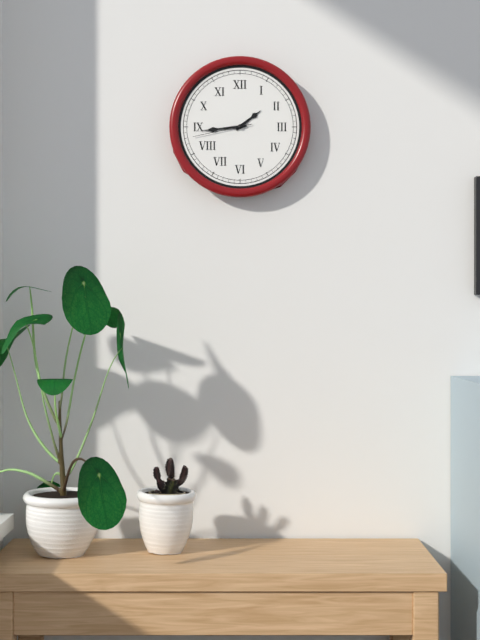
1:44:43
